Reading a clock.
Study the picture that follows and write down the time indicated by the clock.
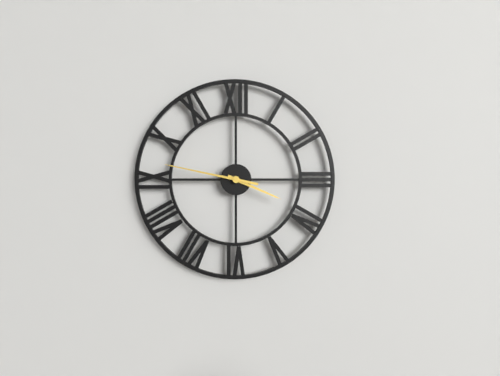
3:47
